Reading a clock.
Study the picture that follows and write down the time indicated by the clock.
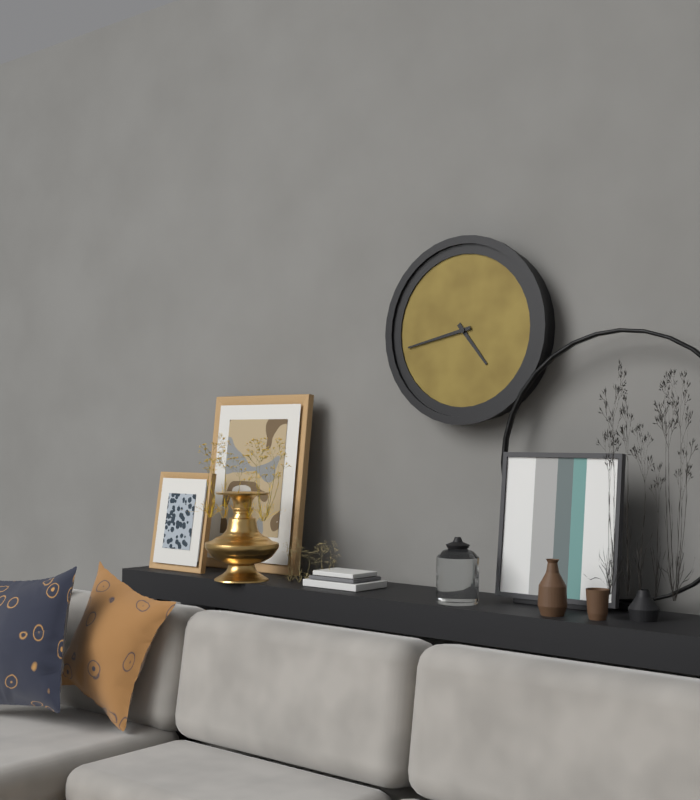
4:43
